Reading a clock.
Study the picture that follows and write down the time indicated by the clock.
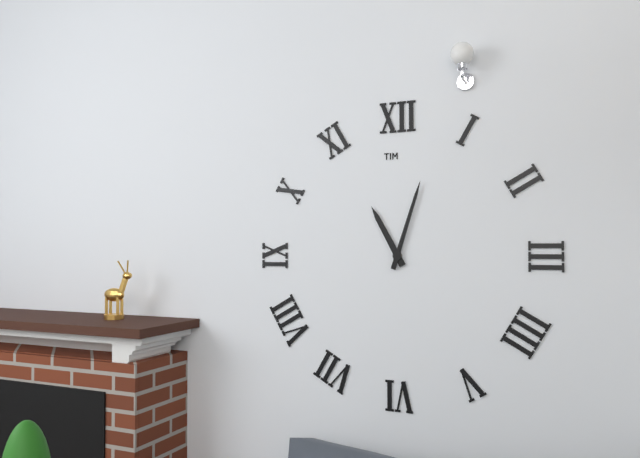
11:03
